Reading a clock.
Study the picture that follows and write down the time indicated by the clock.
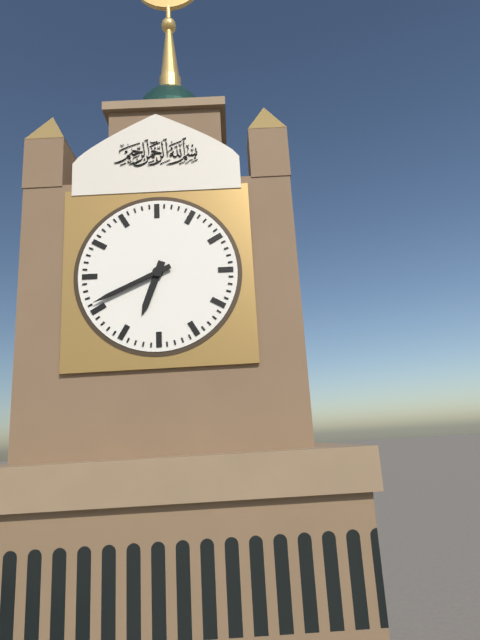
6:41
